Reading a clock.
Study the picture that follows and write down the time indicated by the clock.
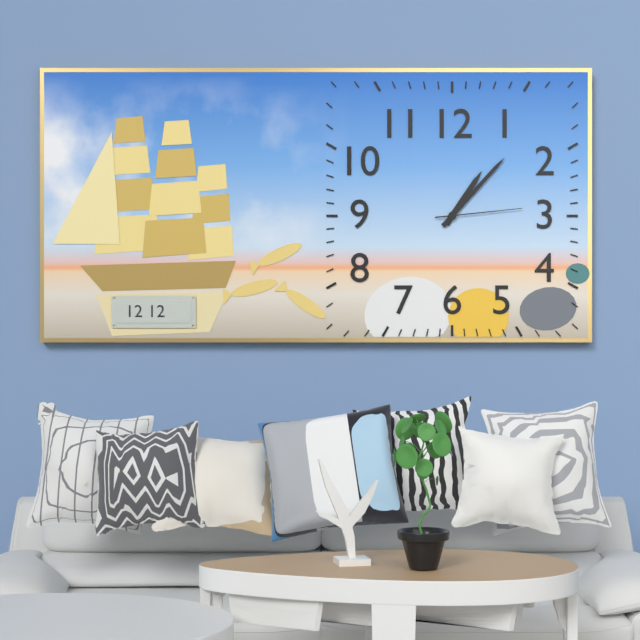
1:07:14
